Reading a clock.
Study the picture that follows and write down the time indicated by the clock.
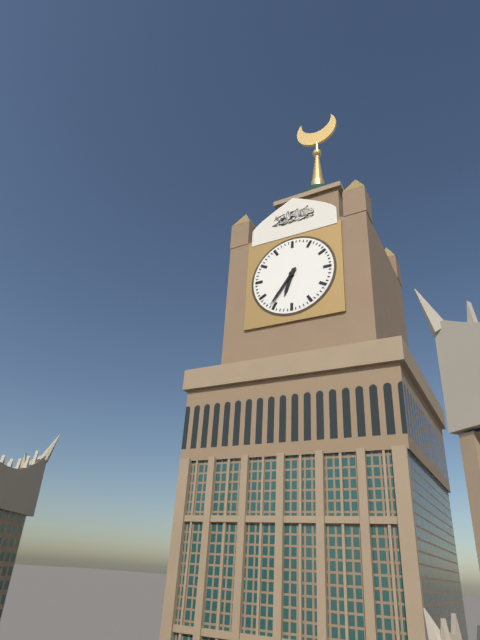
6:36
